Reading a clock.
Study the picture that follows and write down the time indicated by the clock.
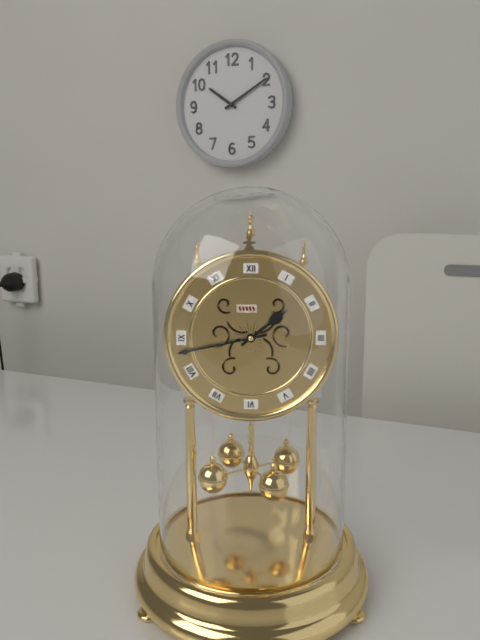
1:43
